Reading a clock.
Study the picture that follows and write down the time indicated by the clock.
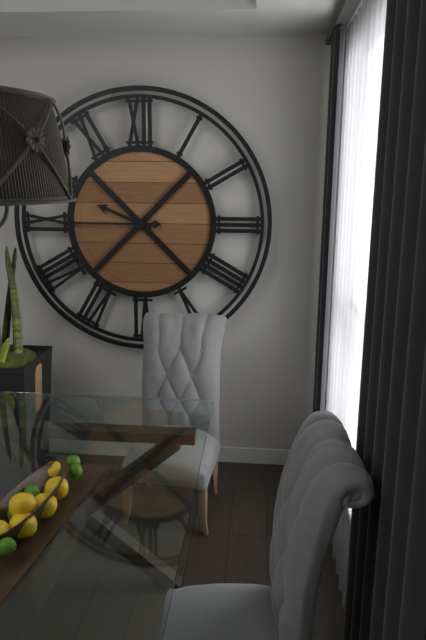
9:45
